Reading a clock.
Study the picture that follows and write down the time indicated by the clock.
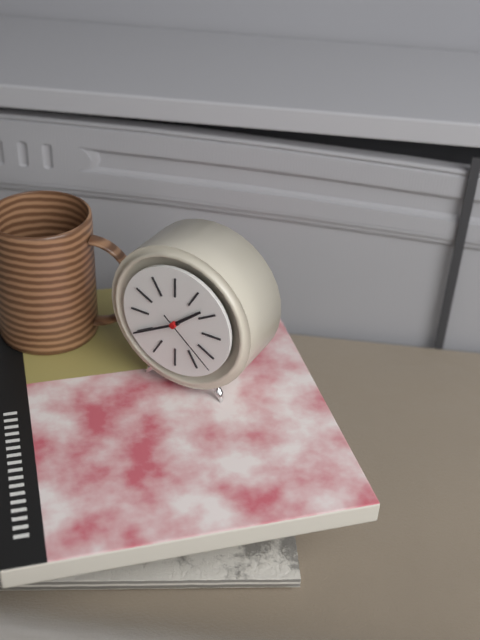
1:40:22
